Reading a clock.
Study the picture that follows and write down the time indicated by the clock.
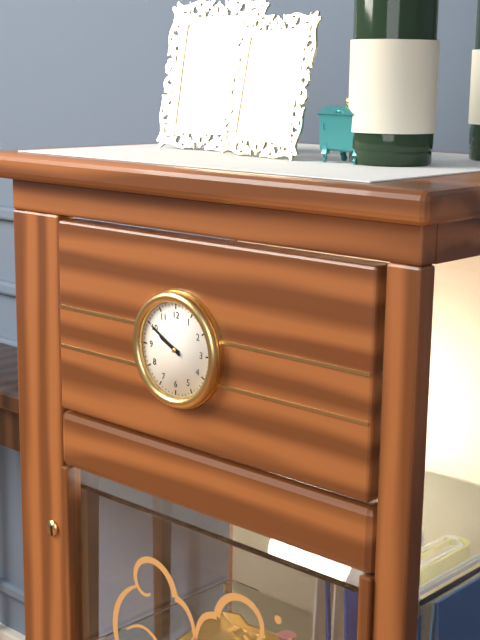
9:50
